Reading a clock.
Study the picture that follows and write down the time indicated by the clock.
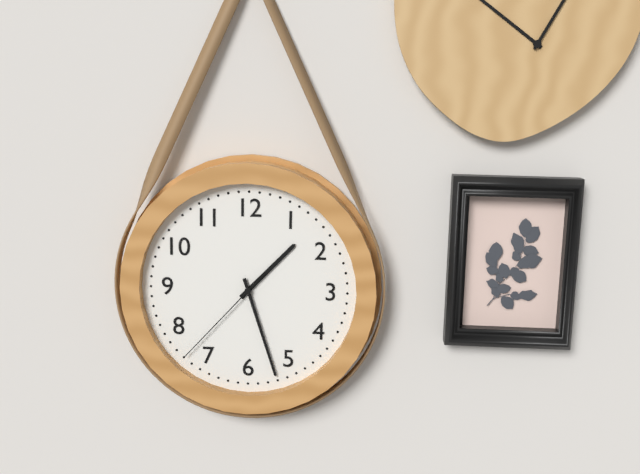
1:27:37
